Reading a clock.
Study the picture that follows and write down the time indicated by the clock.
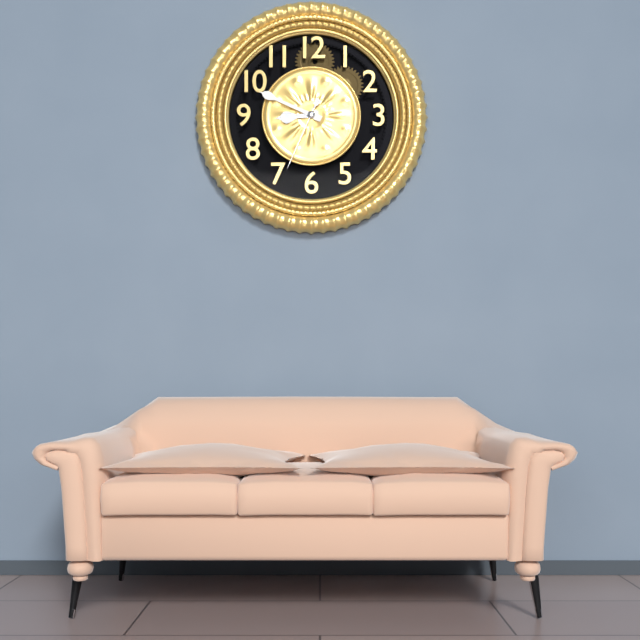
8:49:34
